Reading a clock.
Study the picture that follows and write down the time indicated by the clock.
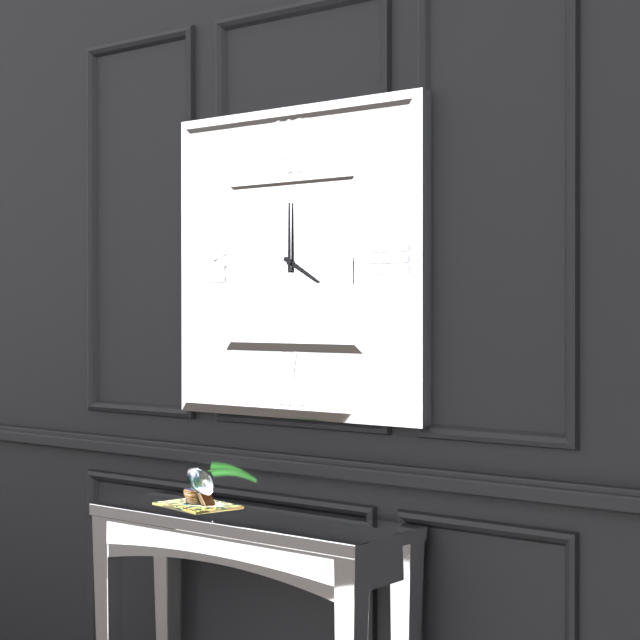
4:00
